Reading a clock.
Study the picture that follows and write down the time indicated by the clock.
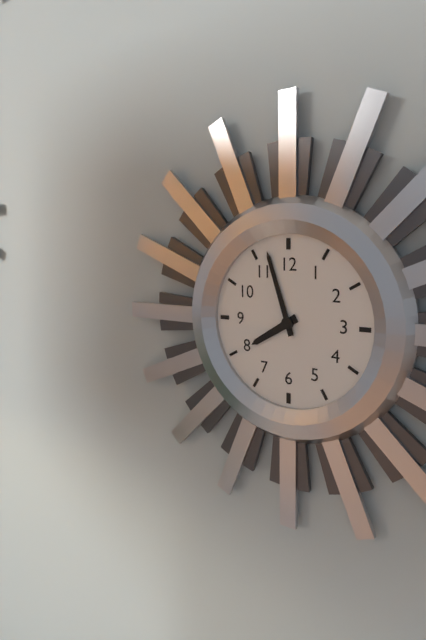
7:57
